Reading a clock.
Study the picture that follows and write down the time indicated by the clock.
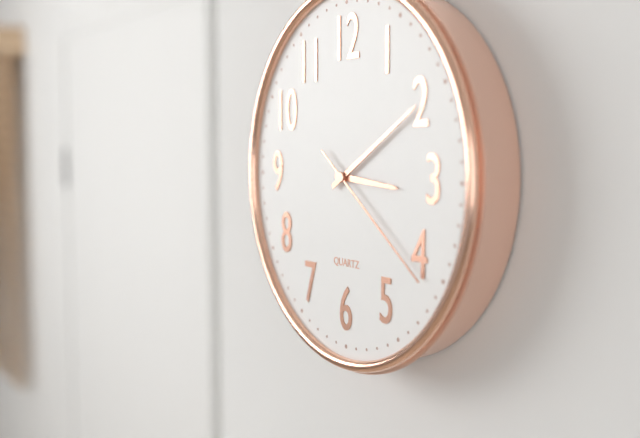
3:10:21
